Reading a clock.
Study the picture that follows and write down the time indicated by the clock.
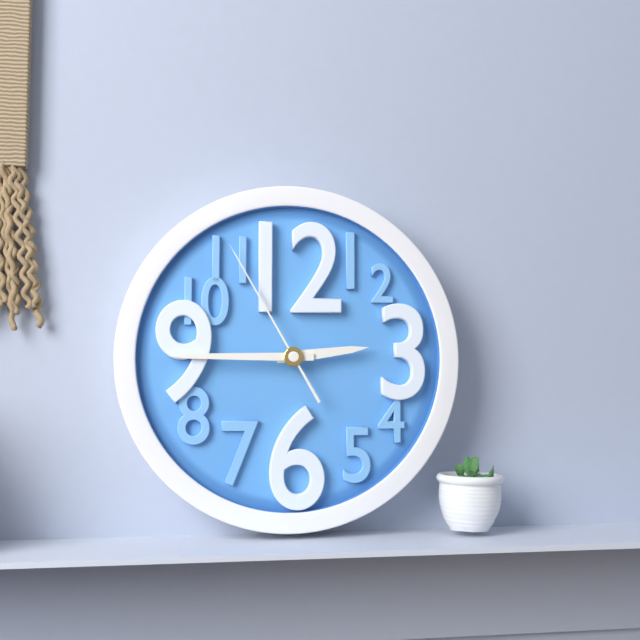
2:45:55
